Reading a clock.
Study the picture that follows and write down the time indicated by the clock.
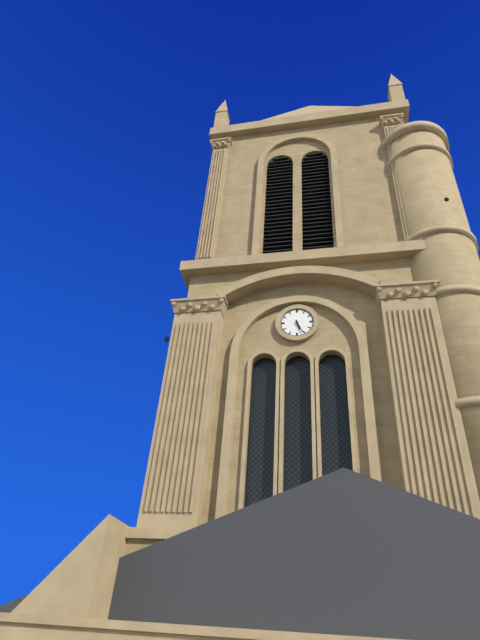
5:26
